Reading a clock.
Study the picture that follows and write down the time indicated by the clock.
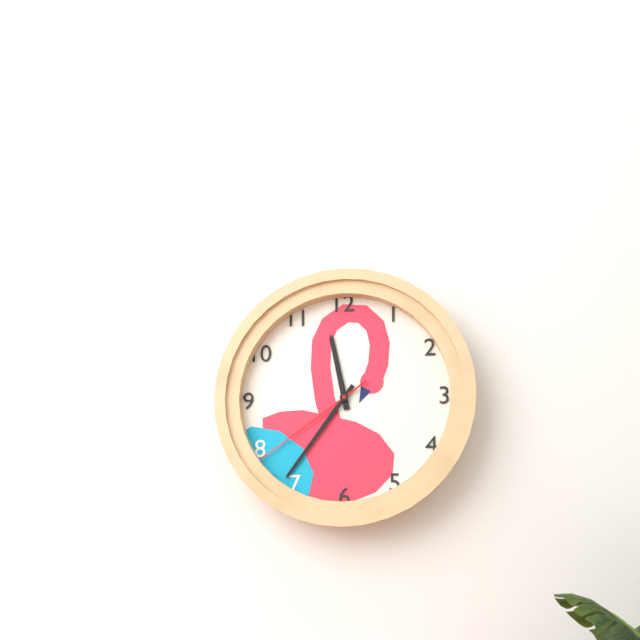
11:36:39
